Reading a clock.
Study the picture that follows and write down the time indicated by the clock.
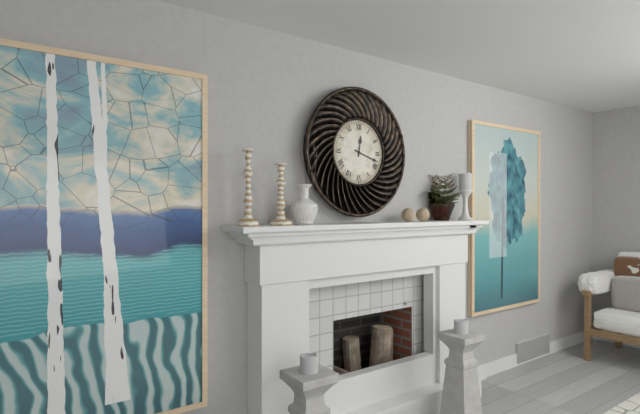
12:18
